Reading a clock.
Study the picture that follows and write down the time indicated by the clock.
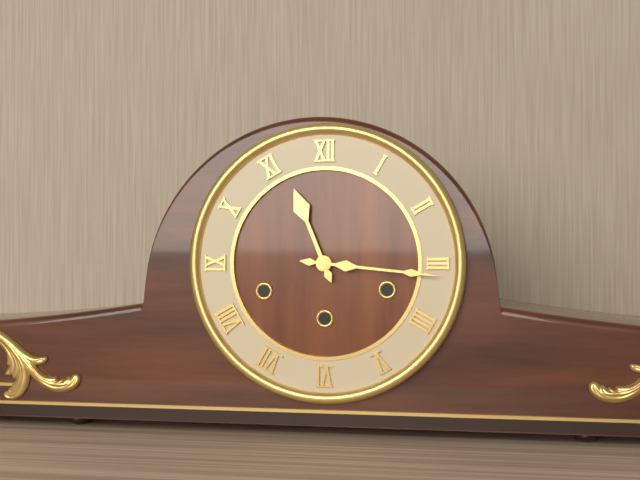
11:16
